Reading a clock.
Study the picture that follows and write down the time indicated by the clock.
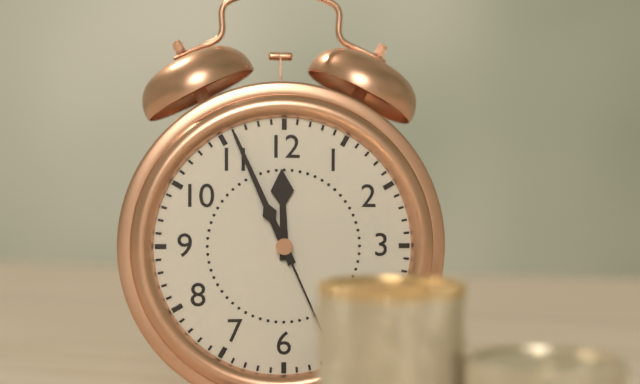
11:56
